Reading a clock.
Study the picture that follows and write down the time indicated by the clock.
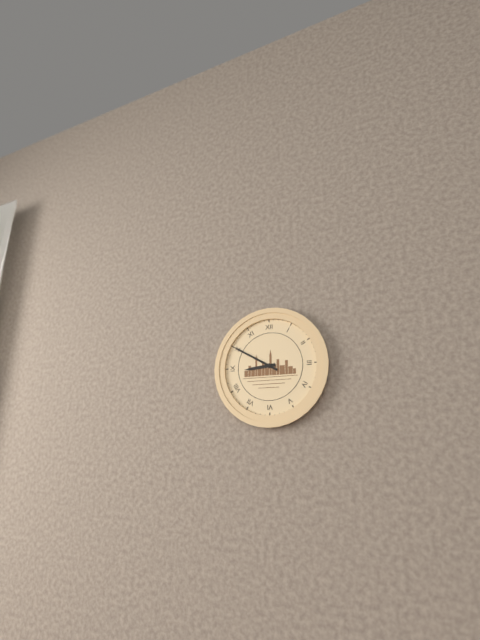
8:50
